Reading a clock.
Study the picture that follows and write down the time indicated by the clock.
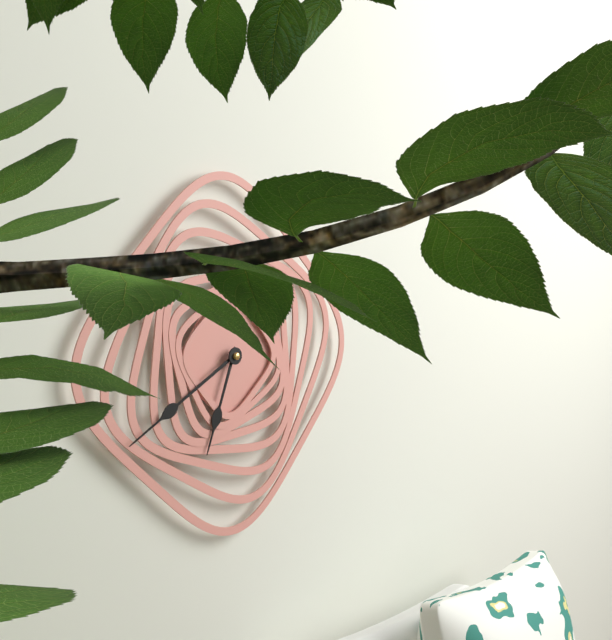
6:40
